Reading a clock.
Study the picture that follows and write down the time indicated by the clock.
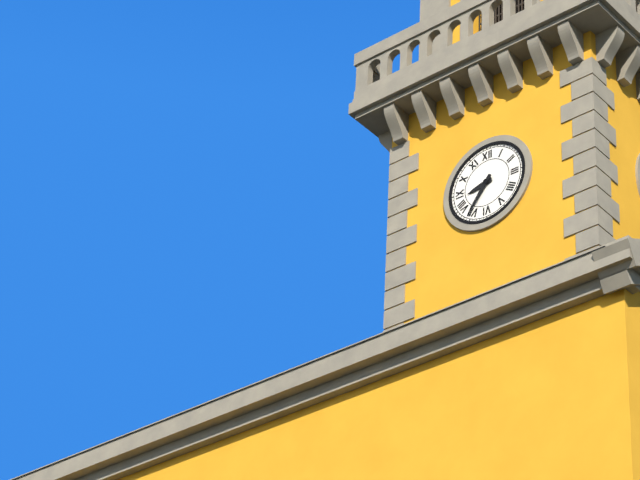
8:36
